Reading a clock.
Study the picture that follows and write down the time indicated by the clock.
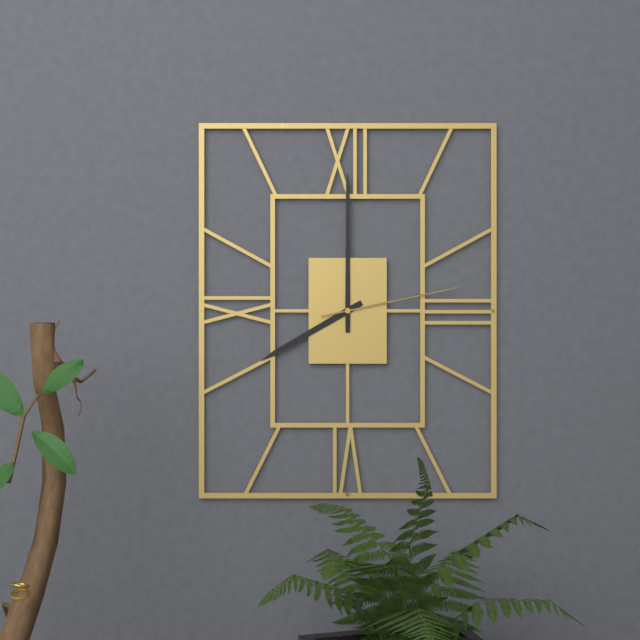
8:00:13
